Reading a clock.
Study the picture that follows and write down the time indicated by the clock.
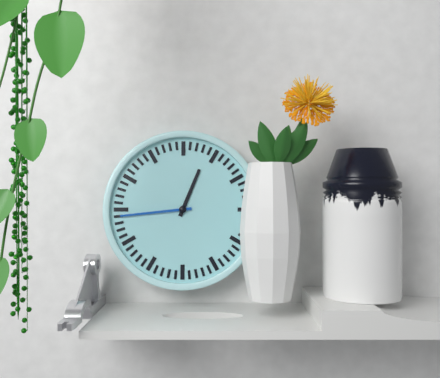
12:44
